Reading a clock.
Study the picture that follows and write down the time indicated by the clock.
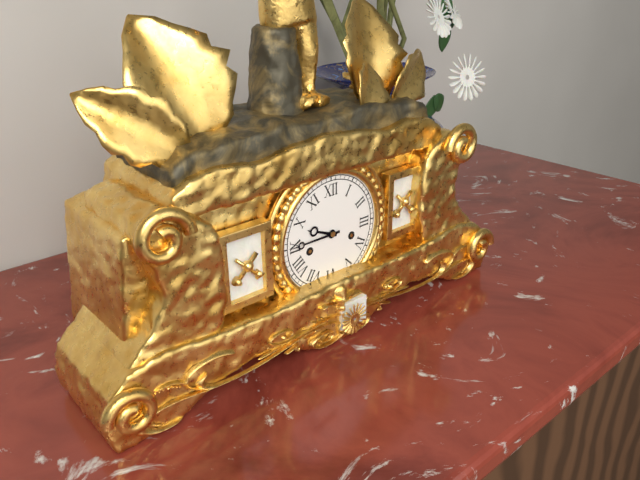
9:45
